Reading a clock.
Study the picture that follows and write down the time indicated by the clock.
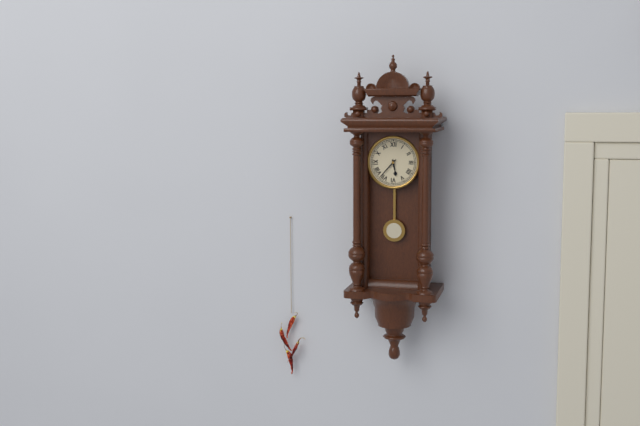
5:37
